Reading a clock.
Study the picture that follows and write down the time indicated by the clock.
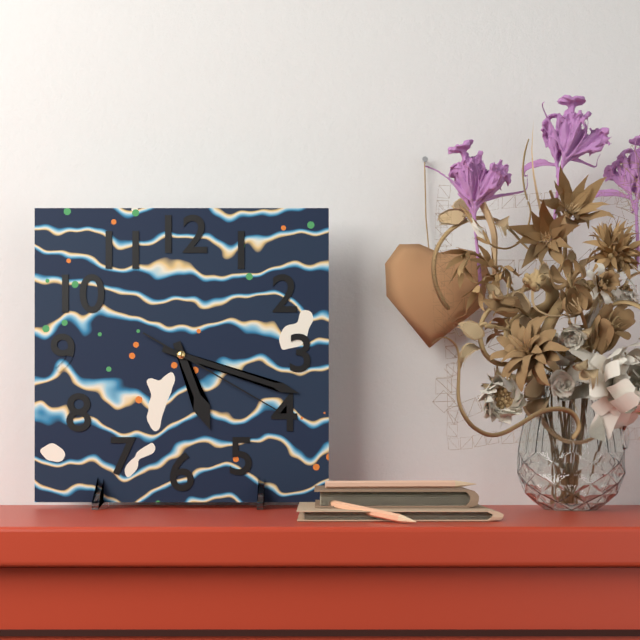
5:18:20
